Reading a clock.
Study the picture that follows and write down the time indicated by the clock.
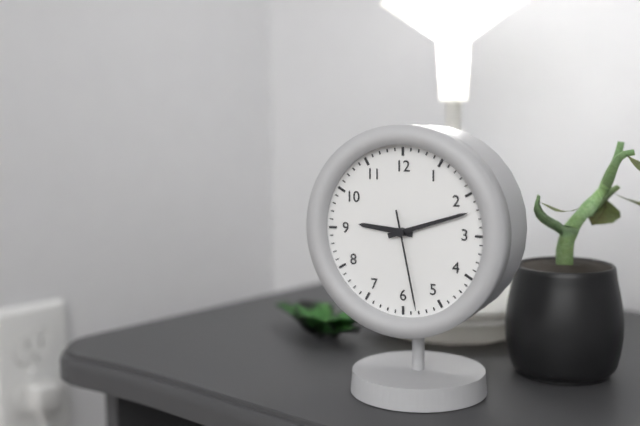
9:12:28
